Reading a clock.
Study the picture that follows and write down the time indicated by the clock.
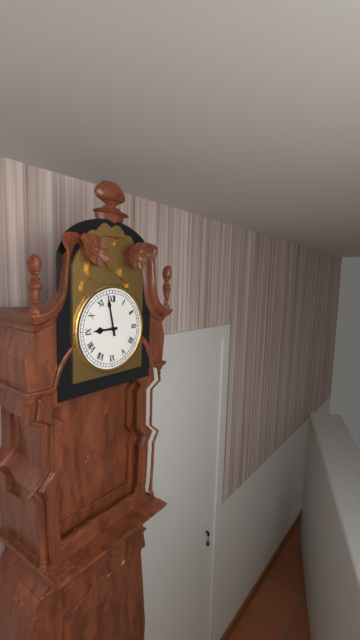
8:58
